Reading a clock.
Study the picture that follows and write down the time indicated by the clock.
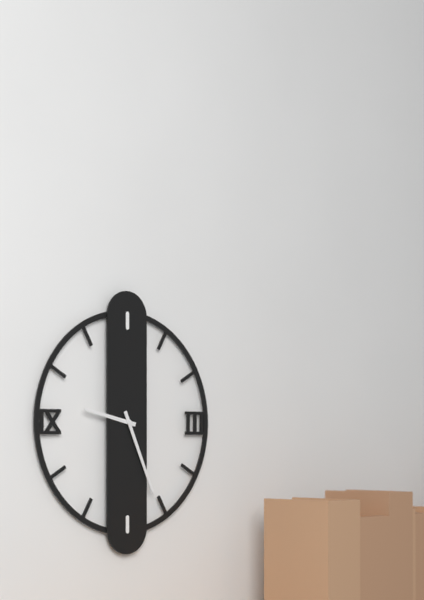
9:26
